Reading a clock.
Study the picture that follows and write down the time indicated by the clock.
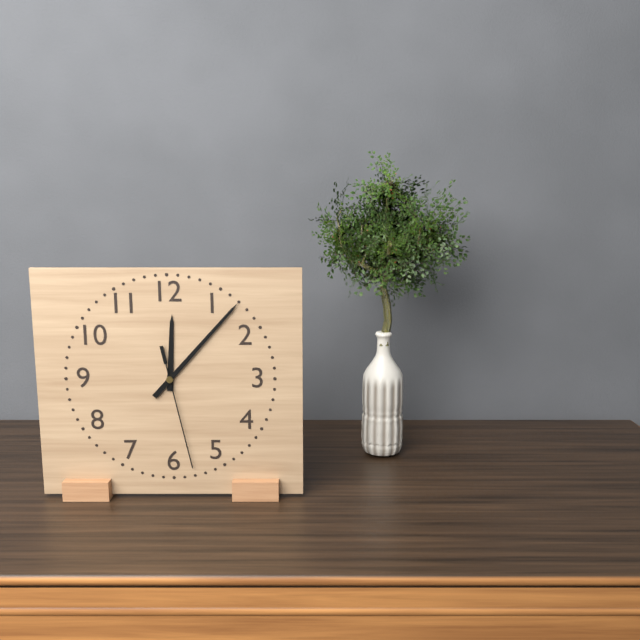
12:07:28
